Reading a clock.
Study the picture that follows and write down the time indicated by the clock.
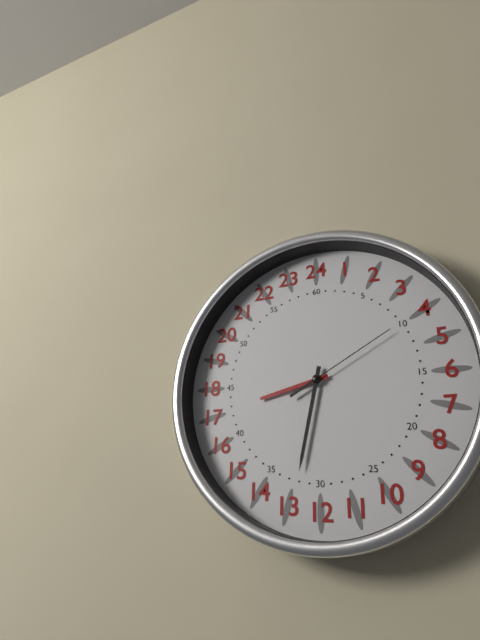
8:32:10
